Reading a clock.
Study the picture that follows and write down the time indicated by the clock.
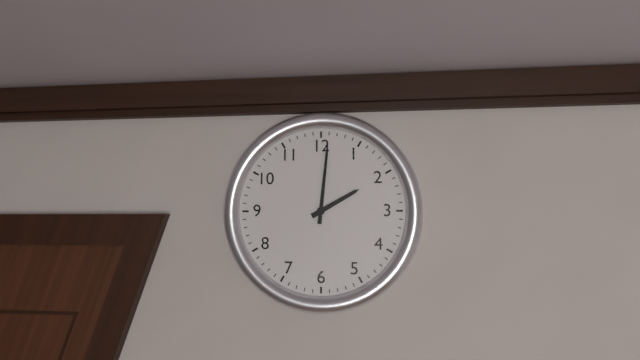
2:01
